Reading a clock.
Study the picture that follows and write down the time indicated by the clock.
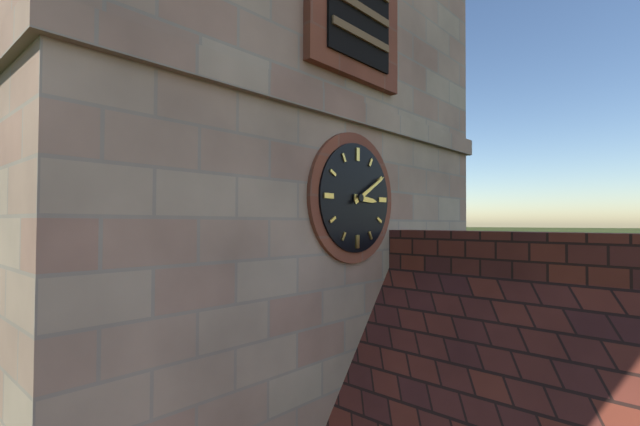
3:10
